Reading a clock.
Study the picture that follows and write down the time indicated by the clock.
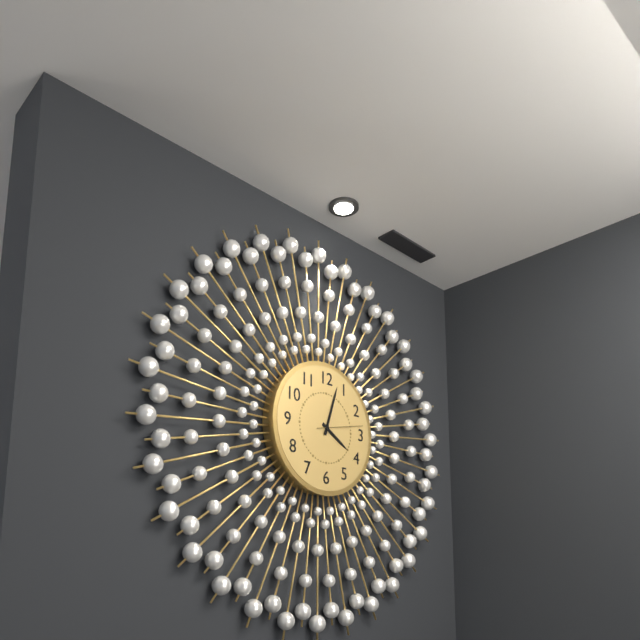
4:03
